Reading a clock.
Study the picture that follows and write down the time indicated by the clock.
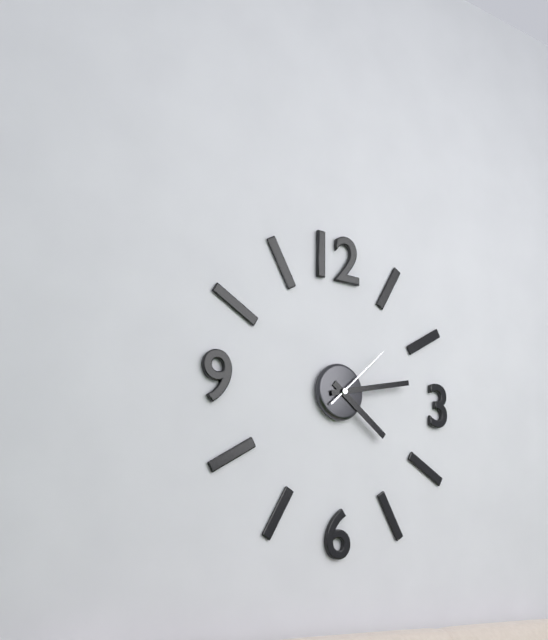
4:13:08
